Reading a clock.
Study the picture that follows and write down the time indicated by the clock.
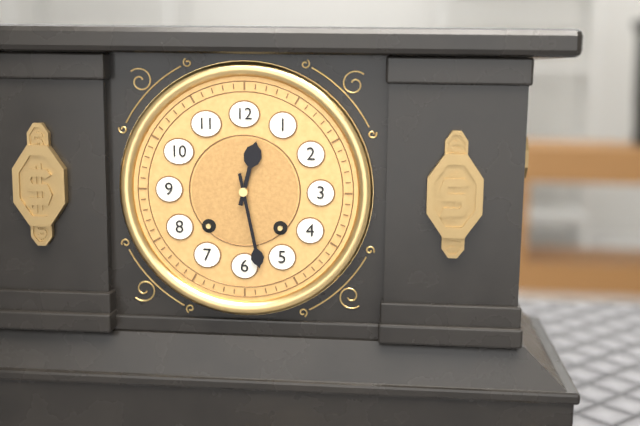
12:28
